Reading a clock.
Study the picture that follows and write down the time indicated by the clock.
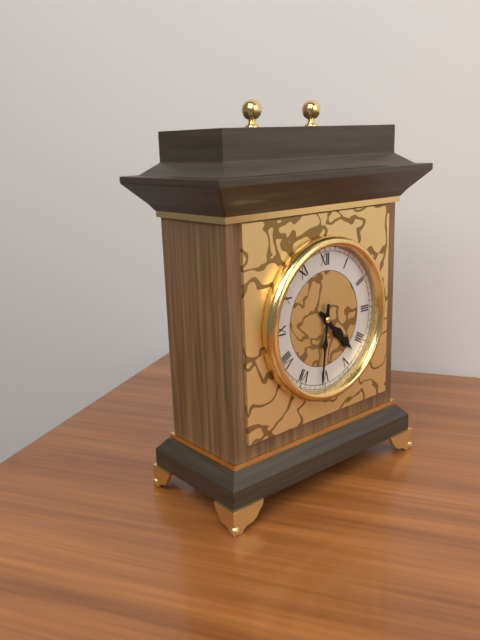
4:31
